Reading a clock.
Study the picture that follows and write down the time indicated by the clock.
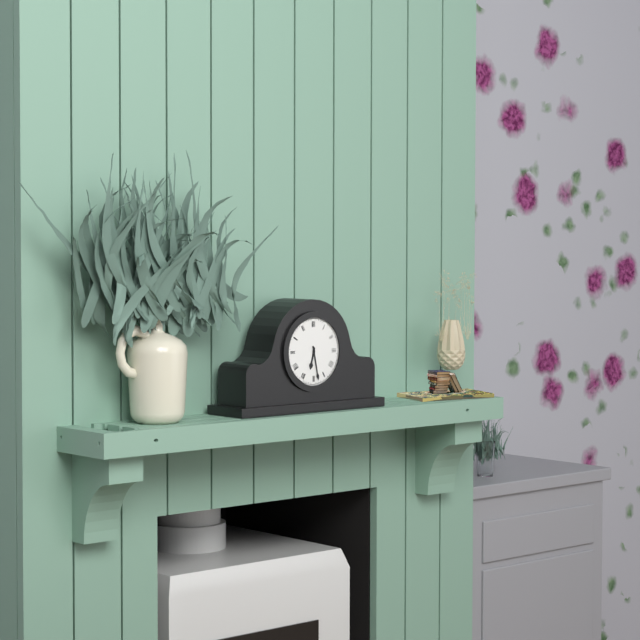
6:28
